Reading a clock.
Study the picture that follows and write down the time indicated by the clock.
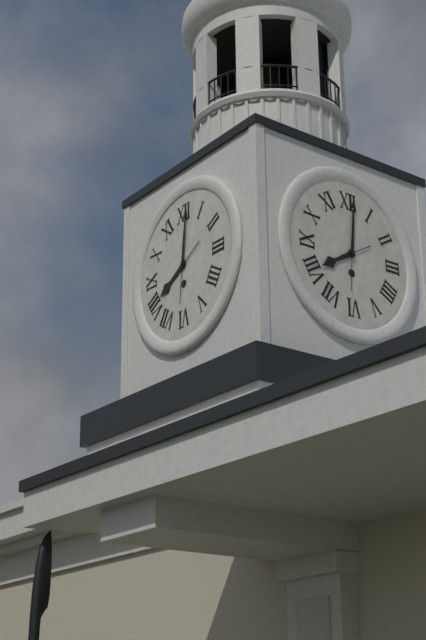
8:01
